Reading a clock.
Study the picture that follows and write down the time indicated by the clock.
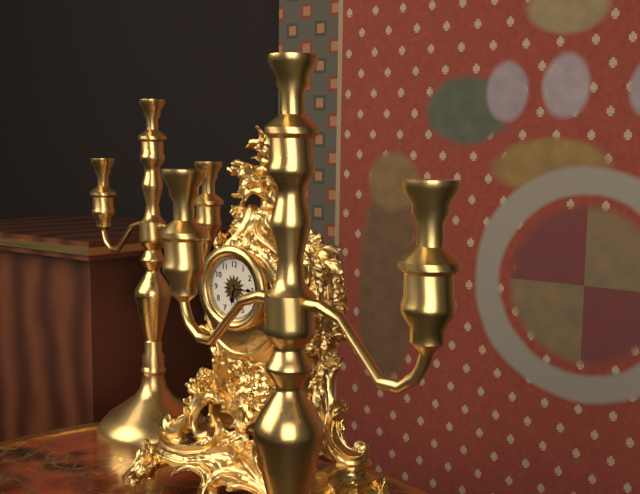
6:15
